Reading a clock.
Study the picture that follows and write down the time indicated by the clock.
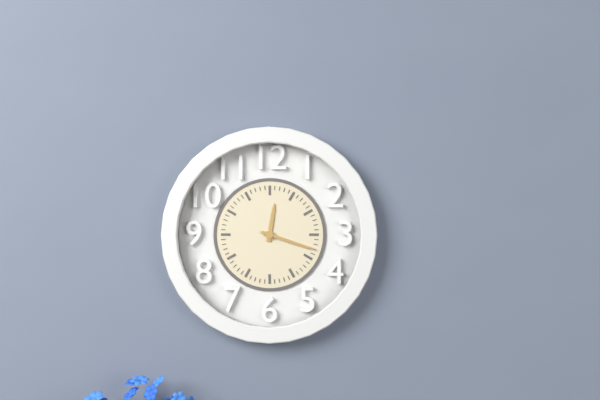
12:18
